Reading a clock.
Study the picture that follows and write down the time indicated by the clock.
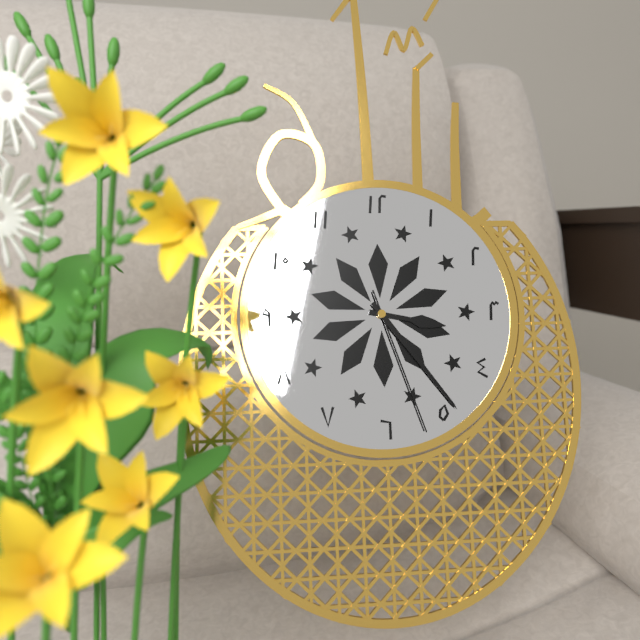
3:24:27
